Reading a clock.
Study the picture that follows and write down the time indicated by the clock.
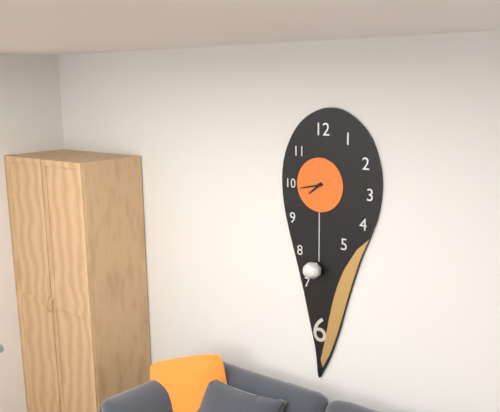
7:43
